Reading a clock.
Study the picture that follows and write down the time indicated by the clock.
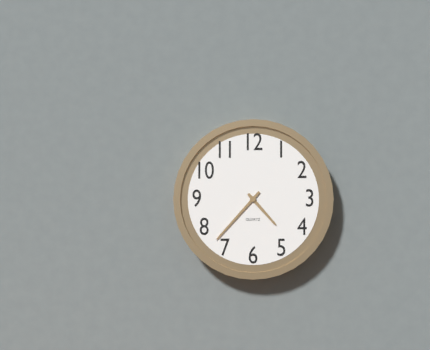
4:37
